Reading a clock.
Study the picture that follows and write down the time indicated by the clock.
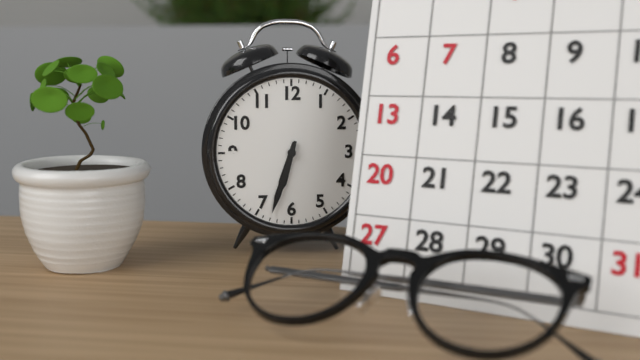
6:33
